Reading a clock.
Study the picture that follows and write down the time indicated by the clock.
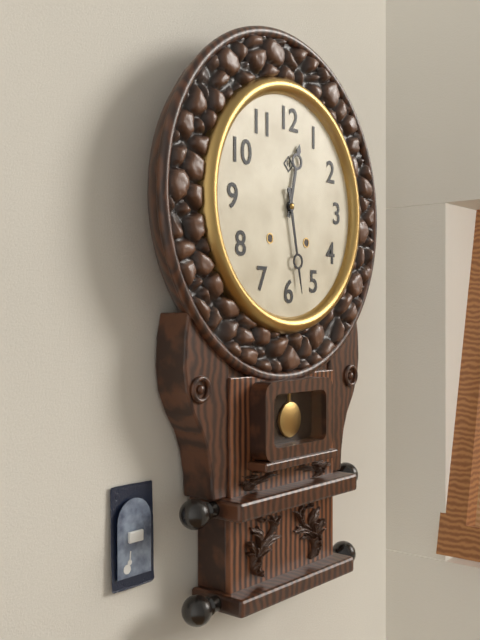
12:28
